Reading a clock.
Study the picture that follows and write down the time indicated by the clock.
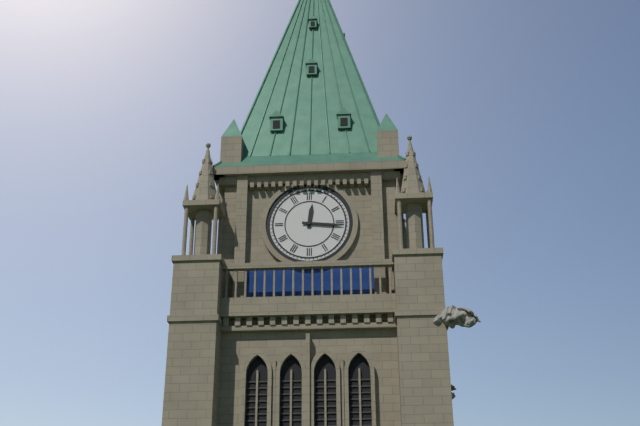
12:16
